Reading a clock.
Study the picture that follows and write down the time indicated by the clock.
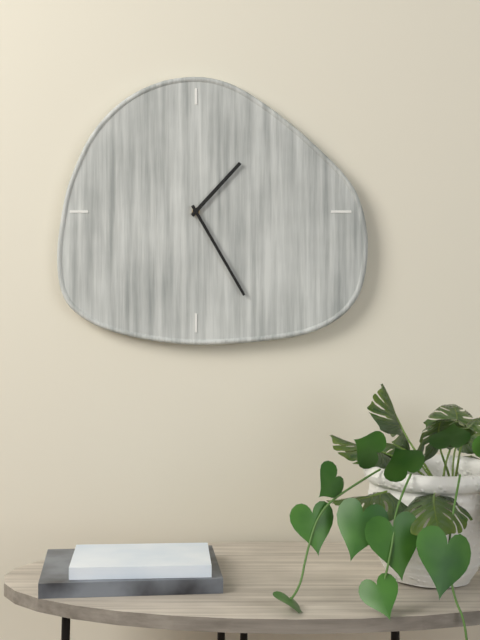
1:25
